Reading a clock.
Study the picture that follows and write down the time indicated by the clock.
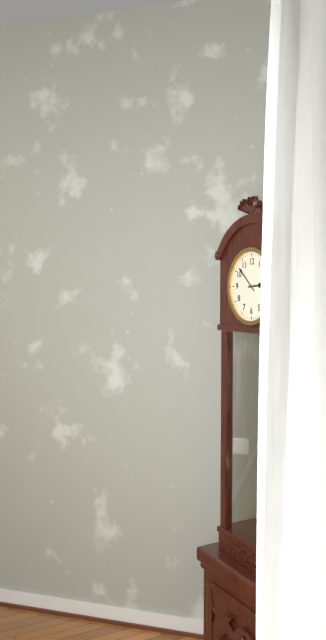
2:52
